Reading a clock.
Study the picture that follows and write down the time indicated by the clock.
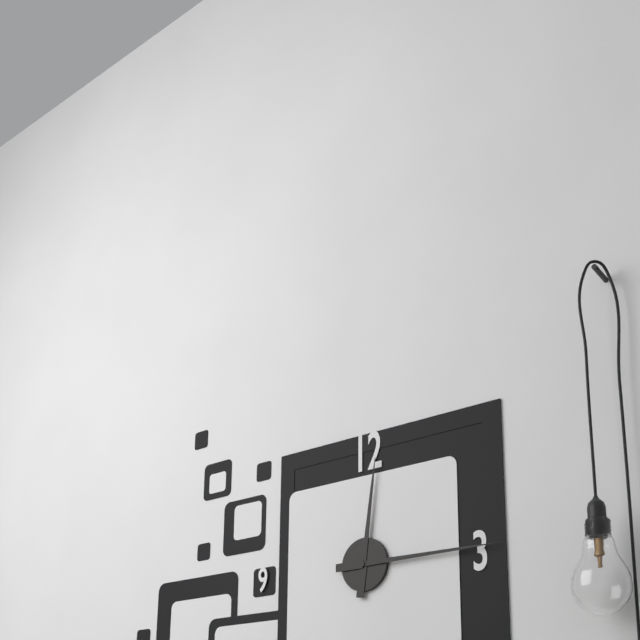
12:15
